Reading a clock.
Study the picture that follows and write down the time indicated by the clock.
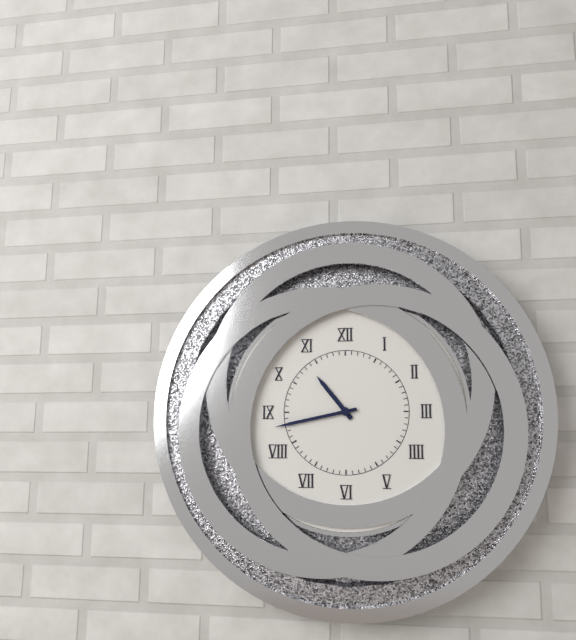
10:43
